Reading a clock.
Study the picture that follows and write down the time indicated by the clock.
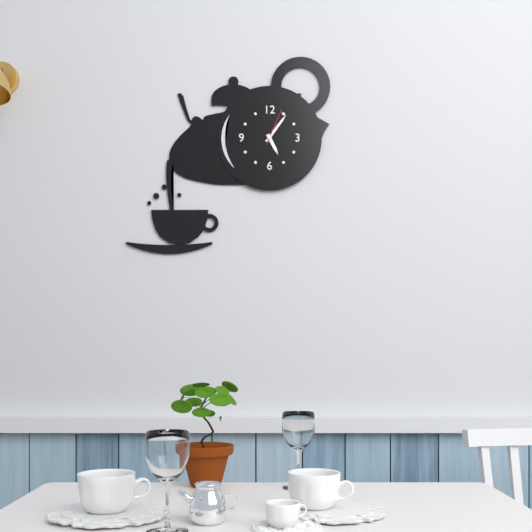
5:06
